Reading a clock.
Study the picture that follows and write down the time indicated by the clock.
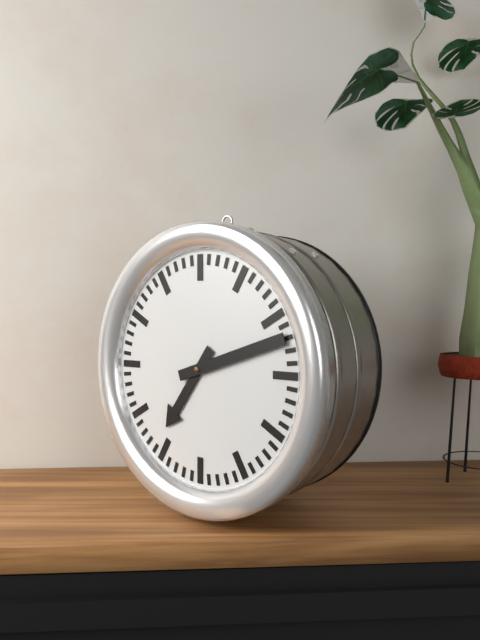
7:12
